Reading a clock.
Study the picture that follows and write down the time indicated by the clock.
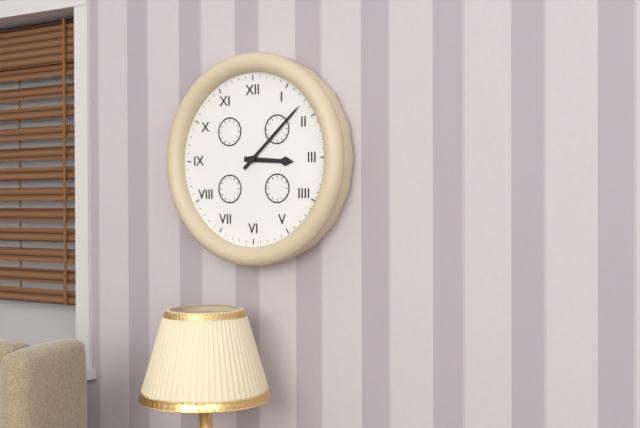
3:08
